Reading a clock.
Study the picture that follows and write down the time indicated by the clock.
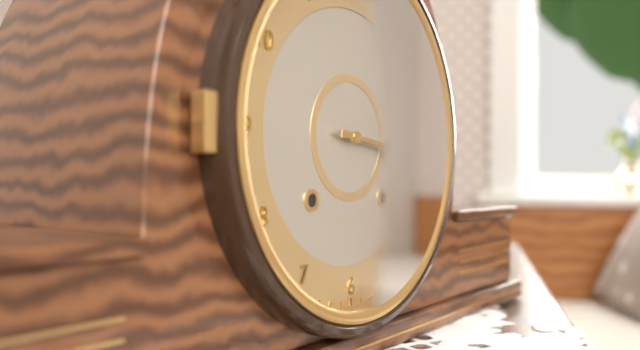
3:16
